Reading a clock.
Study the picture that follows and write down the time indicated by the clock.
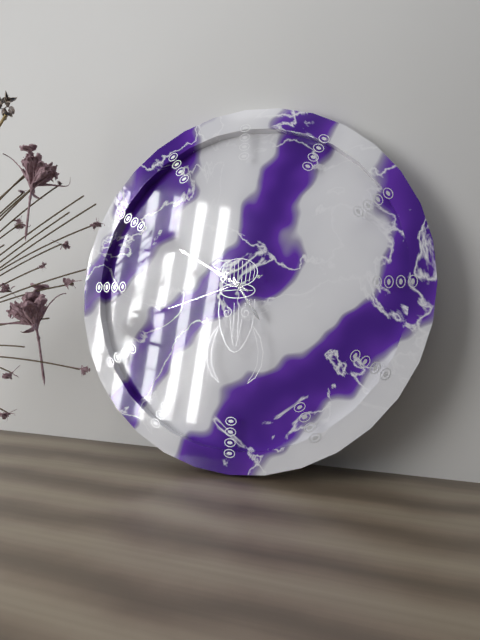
4:50:42
